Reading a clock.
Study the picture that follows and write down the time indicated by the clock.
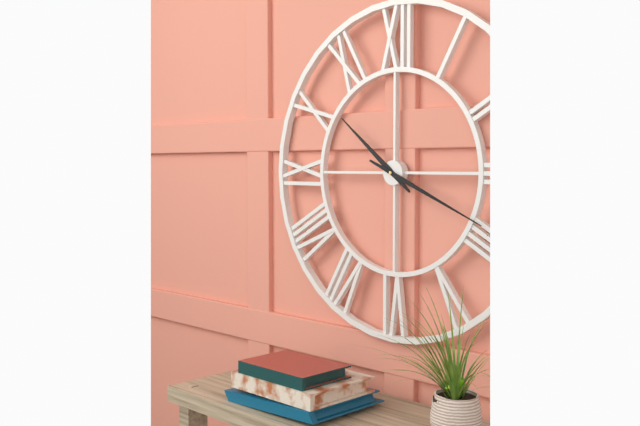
10:19
